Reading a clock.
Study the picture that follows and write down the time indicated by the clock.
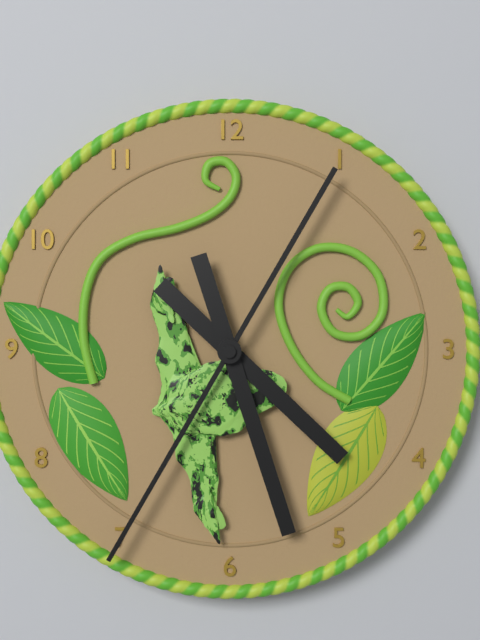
4:27:35
